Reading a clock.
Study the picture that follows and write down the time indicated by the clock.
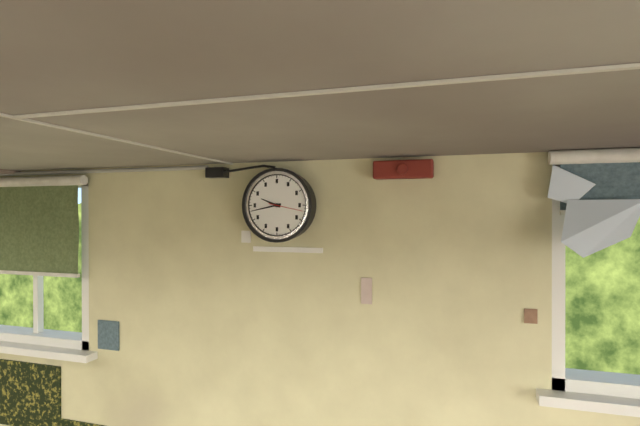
9:43
